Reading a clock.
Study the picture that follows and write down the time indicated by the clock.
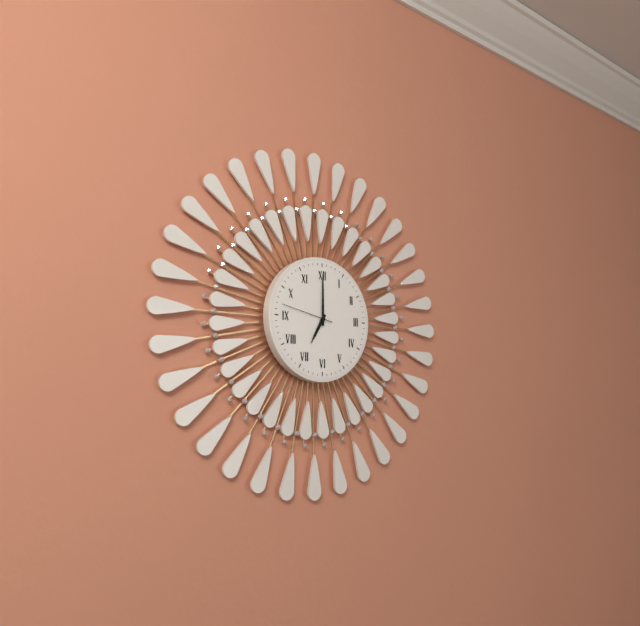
7:00
